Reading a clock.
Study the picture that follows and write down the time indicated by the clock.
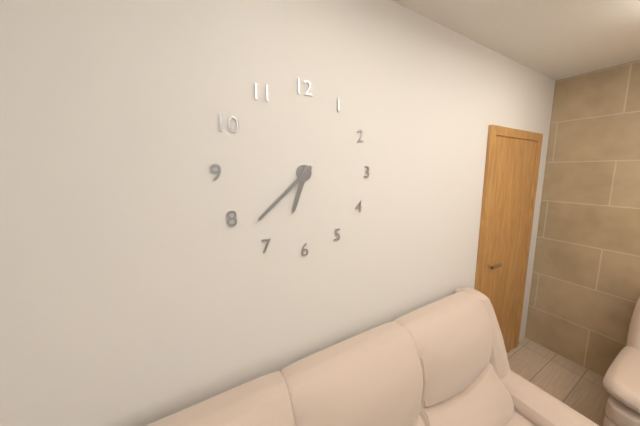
6:38
